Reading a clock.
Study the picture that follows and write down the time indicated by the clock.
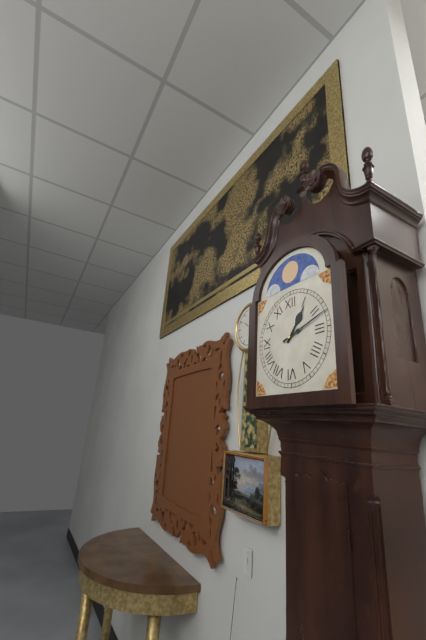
1:12
